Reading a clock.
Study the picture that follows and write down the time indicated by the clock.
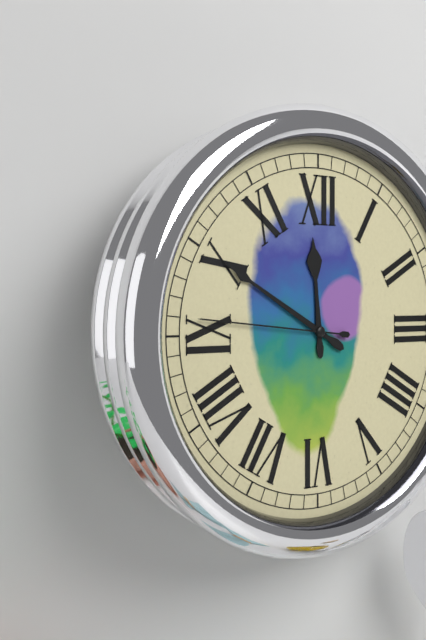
11:50:46
